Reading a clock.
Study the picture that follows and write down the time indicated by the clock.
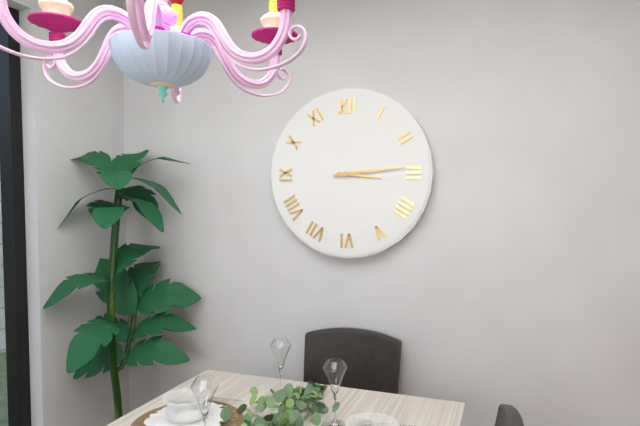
3:14
